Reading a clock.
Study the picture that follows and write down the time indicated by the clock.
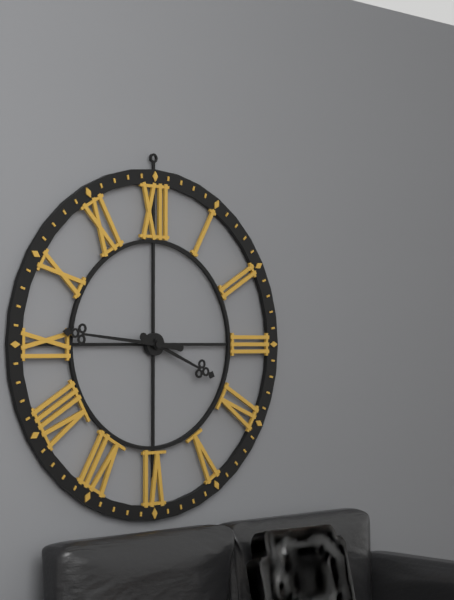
3:46
